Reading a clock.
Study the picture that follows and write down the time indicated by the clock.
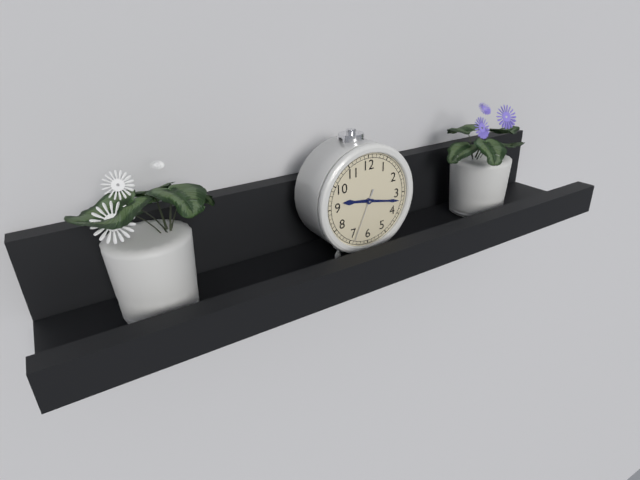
9:17:34
